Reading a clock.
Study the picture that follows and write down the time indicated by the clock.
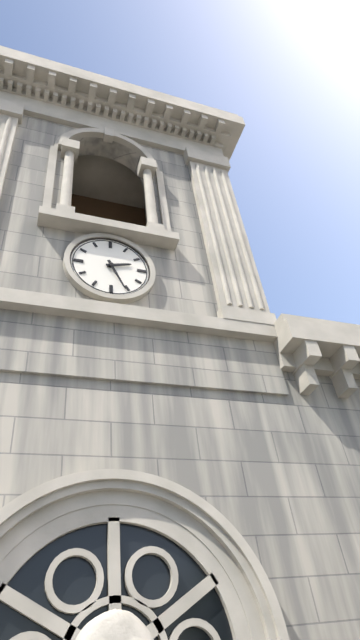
2:26
